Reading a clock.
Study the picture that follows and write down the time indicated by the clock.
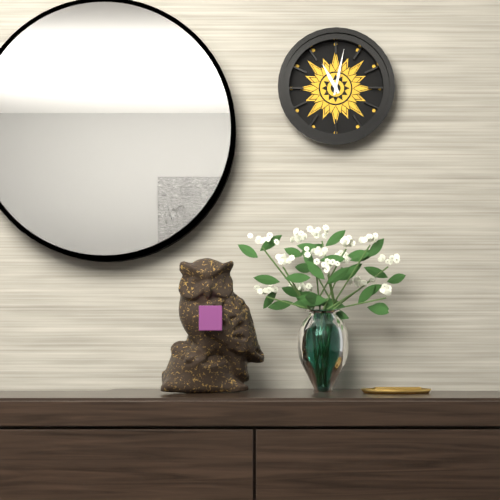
11:02
